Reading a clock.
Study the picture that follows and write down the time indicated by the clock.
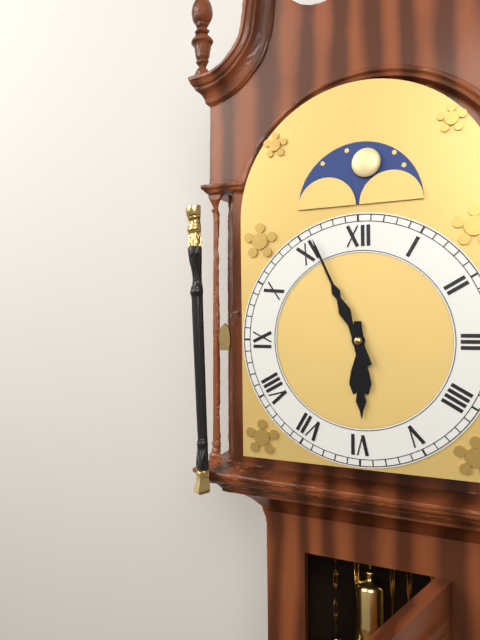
5:56
